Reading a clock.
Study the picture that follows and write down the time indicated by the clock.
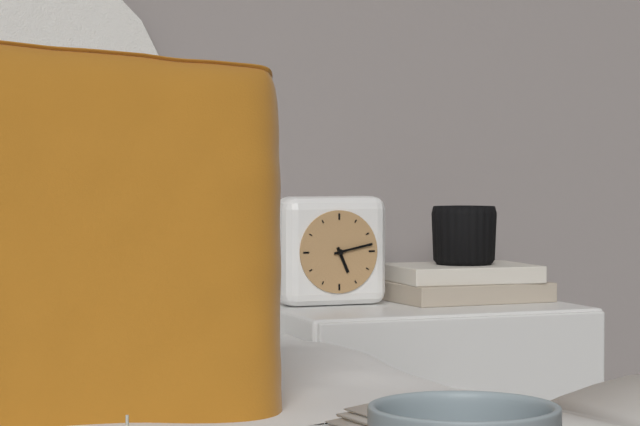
5:13
